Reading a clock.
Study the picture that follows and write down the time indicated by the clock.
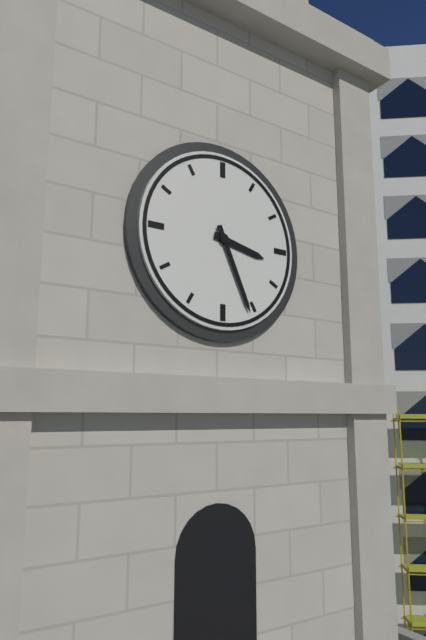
3:26
